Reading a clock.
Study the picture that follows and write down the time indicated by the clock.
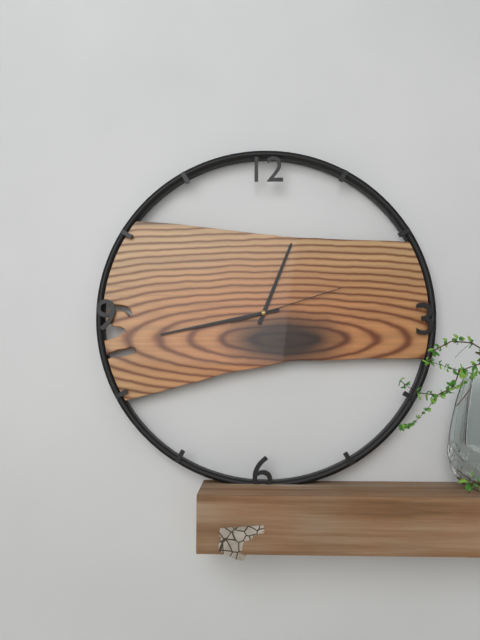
12:43:12
